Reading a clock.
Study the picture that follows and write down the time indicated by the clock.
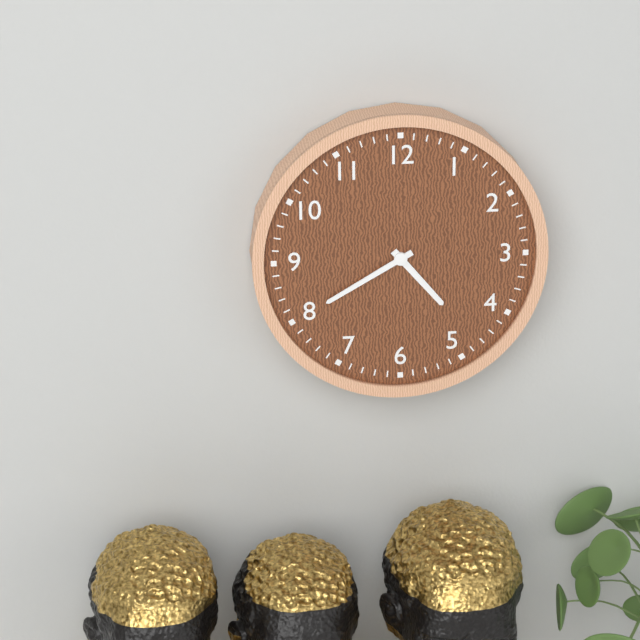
4:40
